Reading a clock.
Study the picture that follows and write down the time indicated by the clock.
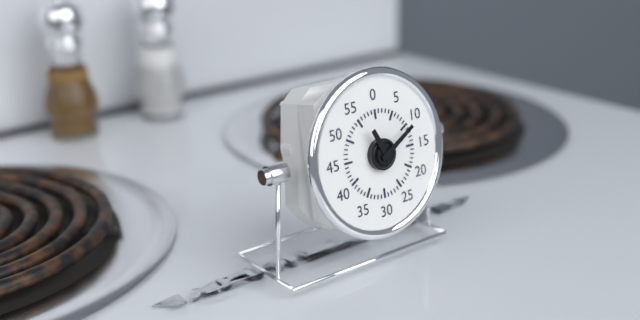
11:10
